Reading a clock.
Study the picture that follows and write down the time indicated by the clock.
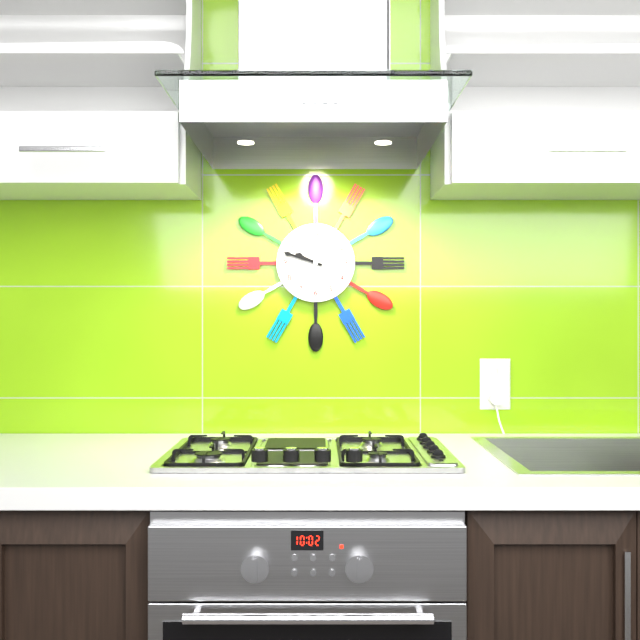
9:48
